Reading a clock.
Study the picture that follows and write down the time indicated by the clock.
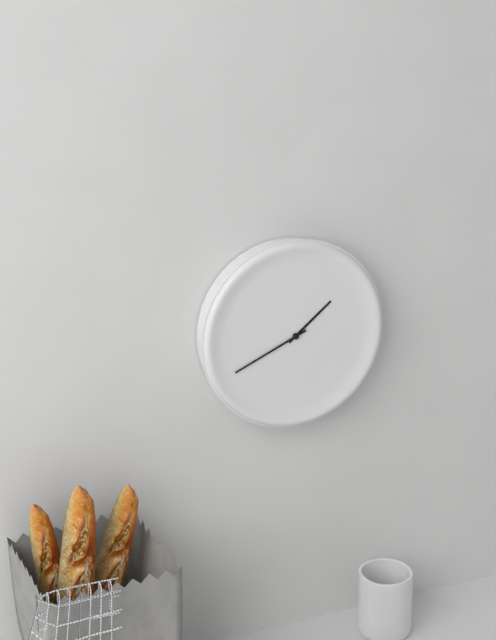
1:41
